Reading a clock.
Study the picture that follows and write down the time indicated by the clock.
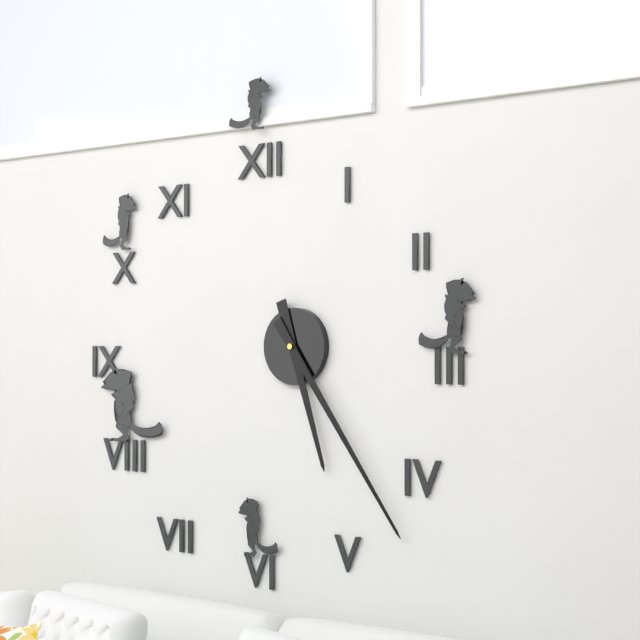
5:24
